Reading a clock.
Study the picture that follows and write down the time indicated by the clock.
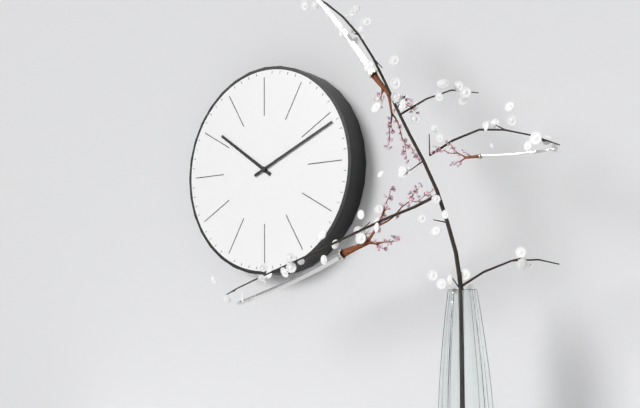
10:11
